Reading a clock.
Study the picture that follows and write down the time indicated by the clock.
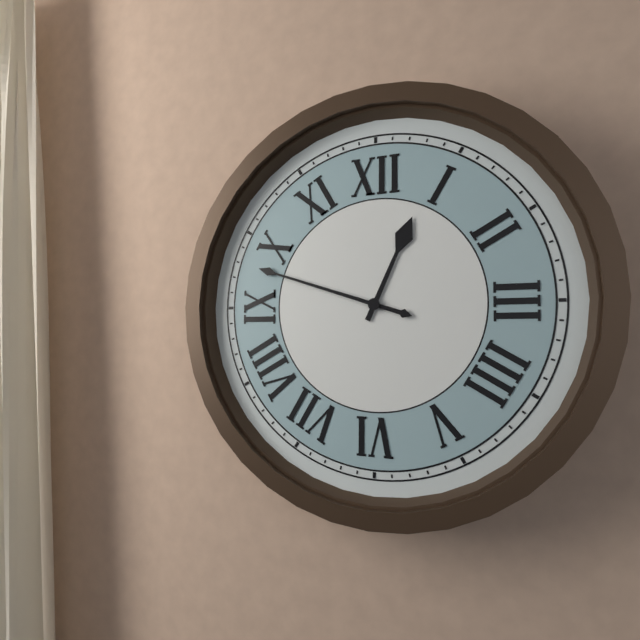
12:48
